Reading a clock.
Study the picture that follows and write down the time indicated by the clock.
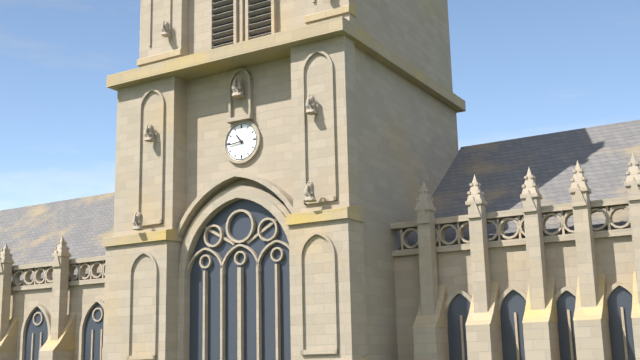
10:44
